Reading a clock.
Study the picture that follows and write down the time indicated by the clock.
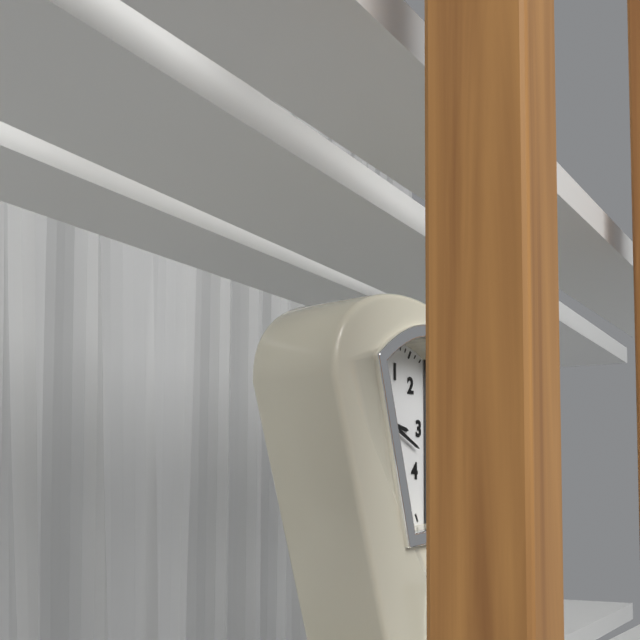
3:19
